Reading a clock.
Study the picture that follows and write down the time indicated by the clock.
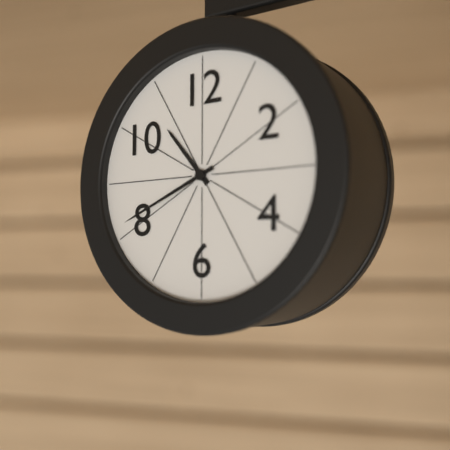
10:41
